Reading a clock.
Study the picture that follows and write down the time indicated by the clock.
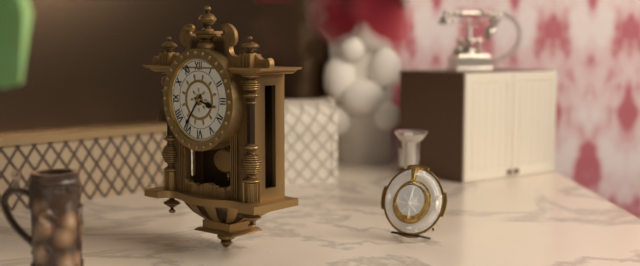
3:36
